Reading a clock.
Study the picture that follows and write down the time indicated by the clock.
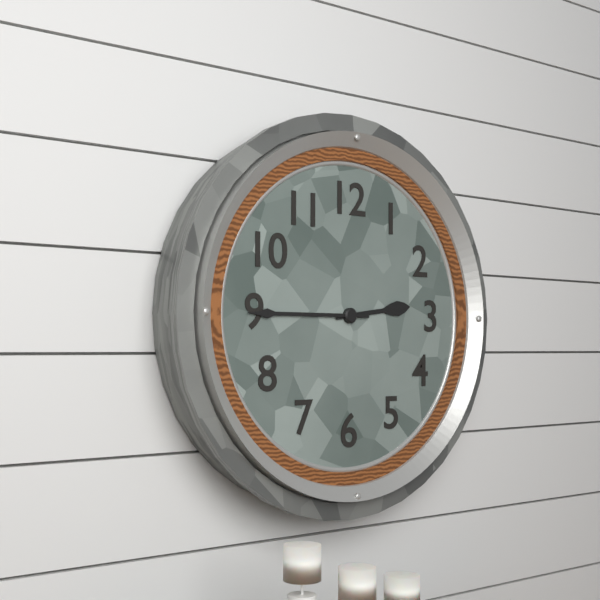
2:45
